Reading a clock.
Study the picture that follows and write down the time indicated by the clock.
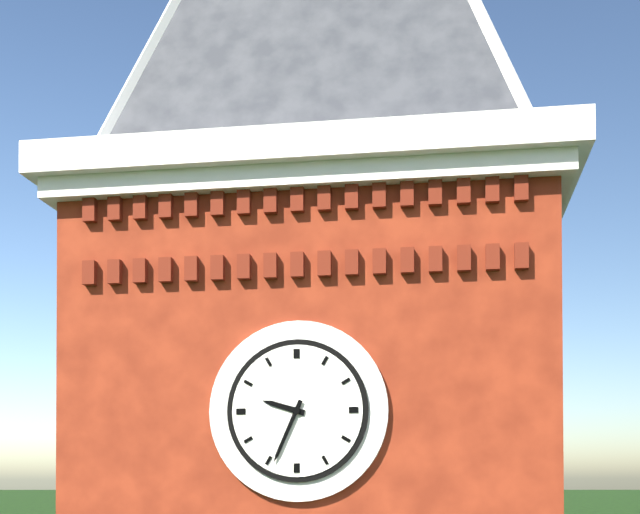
9:34
